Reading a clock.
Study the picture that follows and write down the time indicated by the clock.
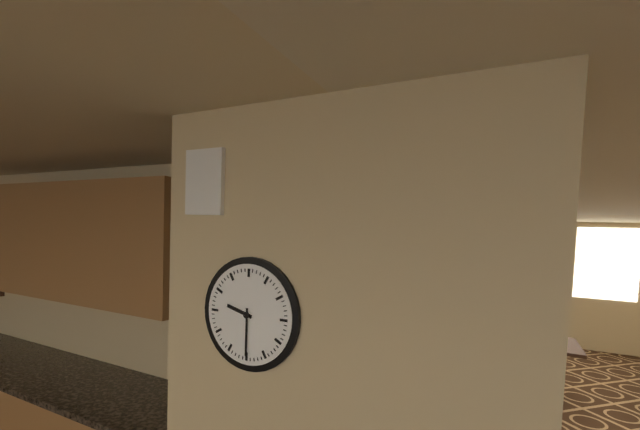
9:30
